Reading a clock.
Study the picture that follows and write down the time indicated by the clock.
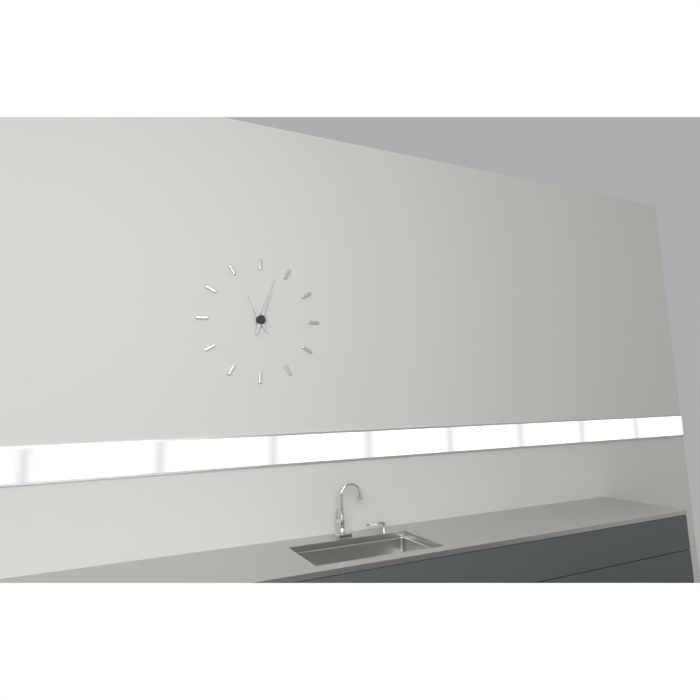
11:03
